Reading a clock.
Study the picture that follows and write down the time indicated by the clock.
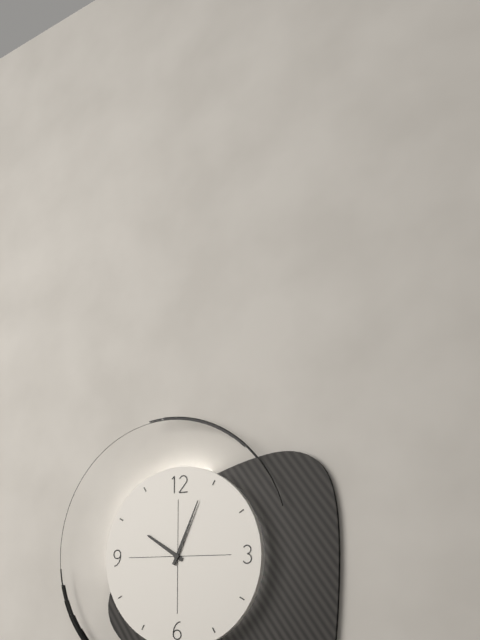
10:04
